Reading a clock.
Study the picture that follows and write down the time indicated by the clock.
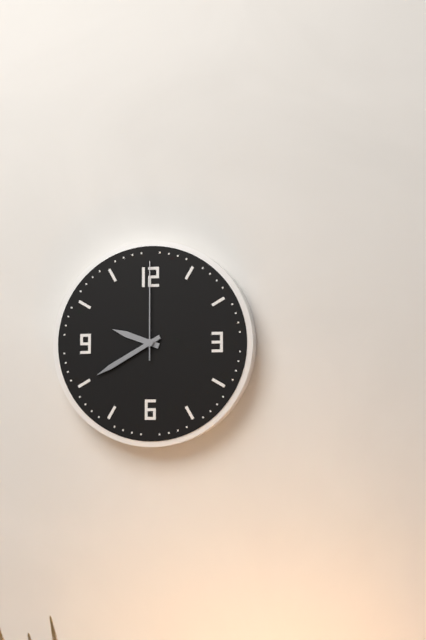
9:40:00
